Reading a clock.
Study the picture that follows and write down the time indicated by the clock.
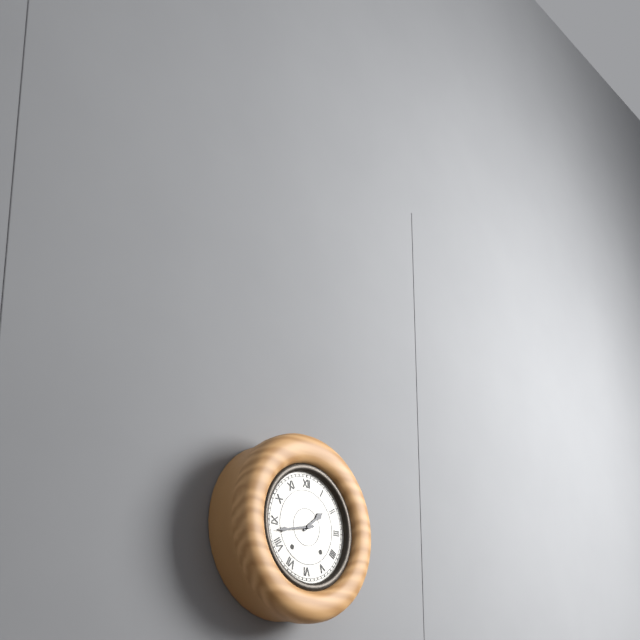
1:43
